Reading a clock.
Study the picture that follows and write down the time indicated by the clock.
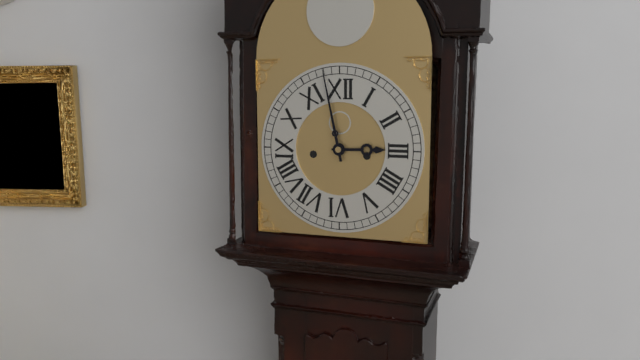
2:58
